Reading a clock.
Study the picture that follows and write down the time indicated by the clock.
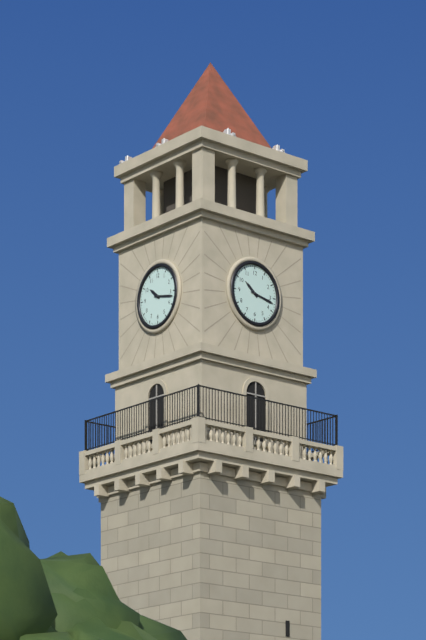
10:17
